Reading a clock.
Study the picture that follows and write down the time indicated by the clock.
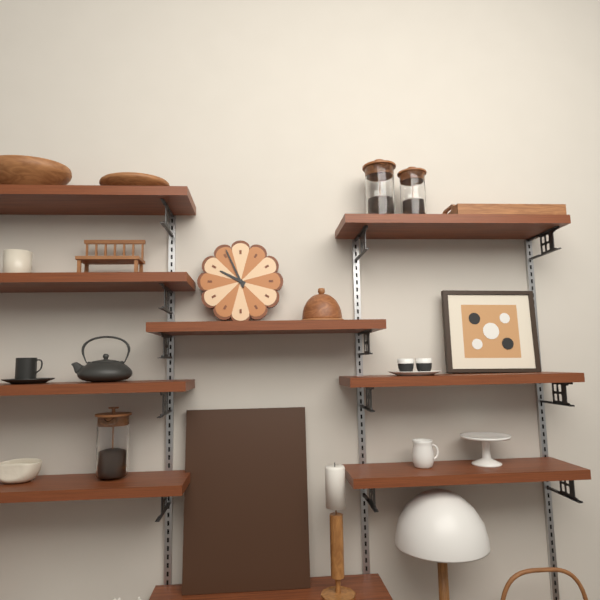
9:56
